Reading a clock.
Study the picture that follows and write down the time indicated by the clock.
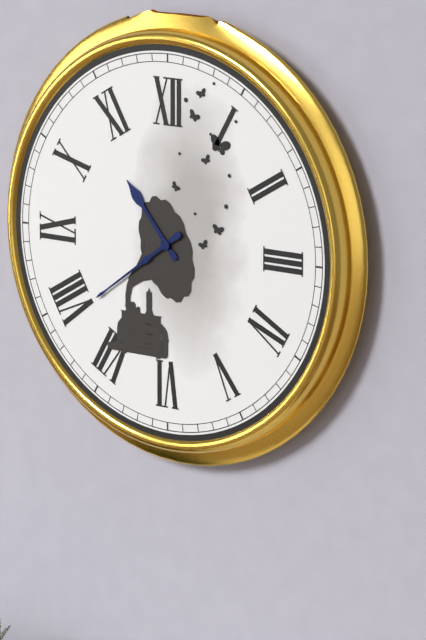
10:39
